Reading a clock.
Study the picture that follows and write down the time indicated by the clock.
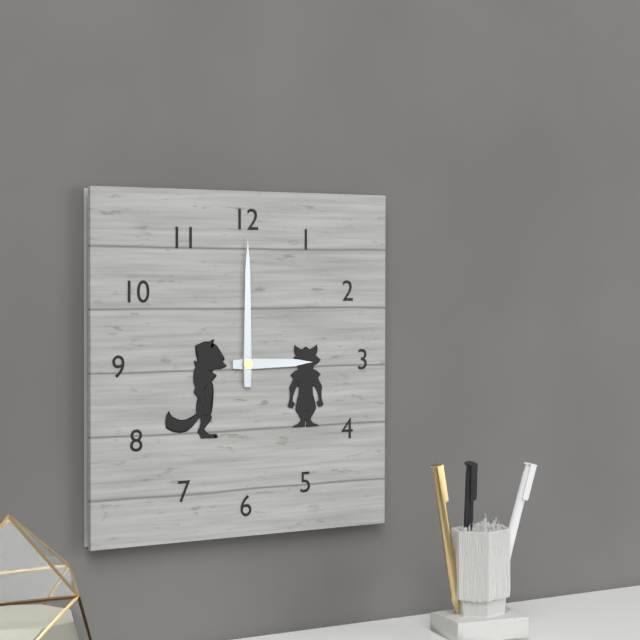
3:00
